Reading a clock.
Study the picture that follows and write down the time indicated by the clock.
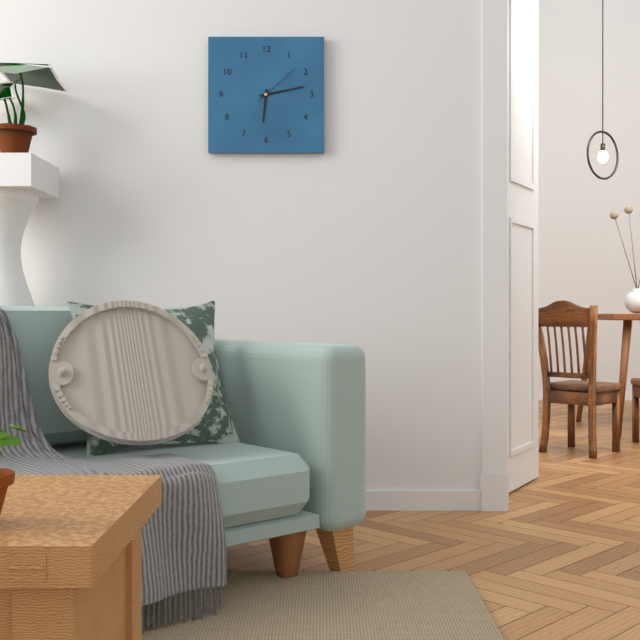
6:13:08
